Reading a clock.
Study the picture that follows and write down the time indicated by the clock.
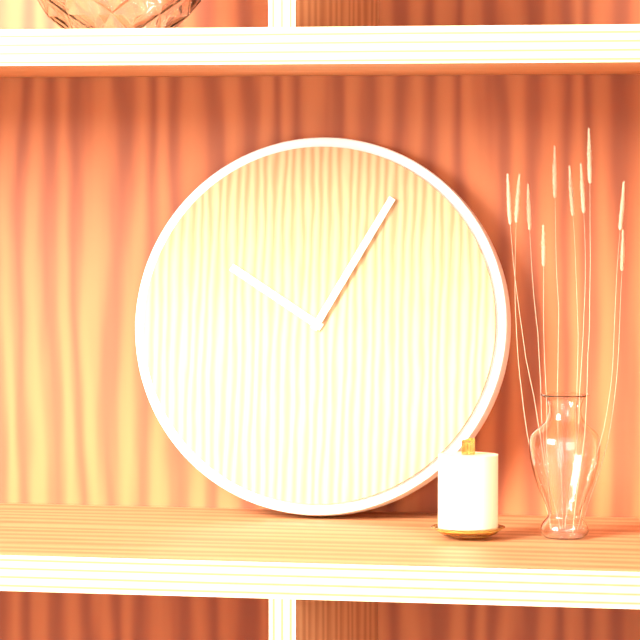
10:05
